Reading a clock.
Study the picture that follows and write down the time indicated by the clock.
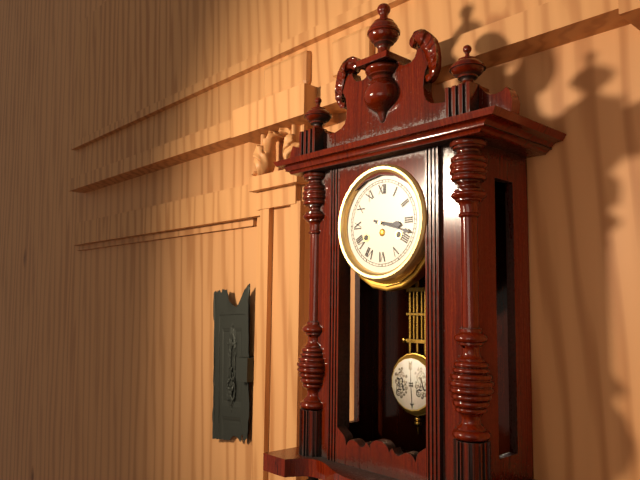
3:18
